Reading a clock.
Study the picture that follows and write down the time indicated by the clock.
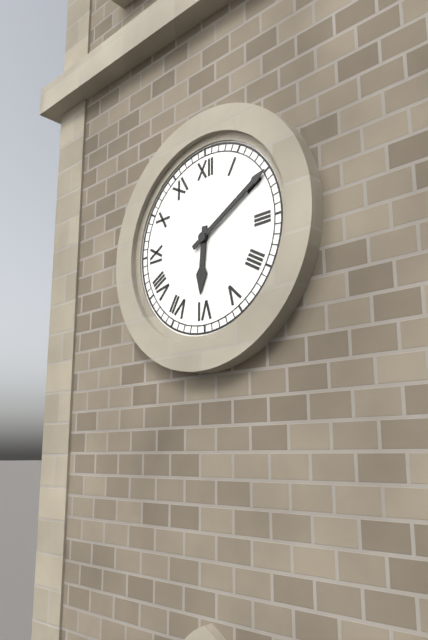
6:10
